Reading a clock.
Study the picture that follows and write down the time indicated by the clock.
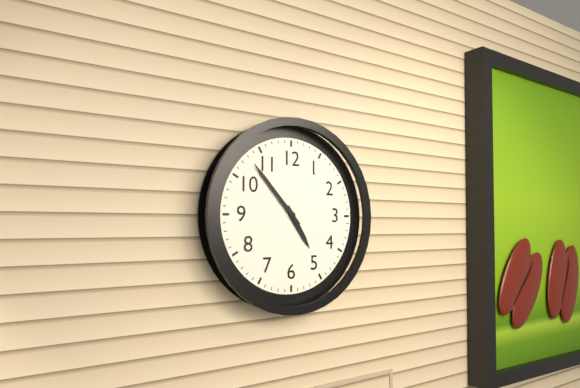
4:53
